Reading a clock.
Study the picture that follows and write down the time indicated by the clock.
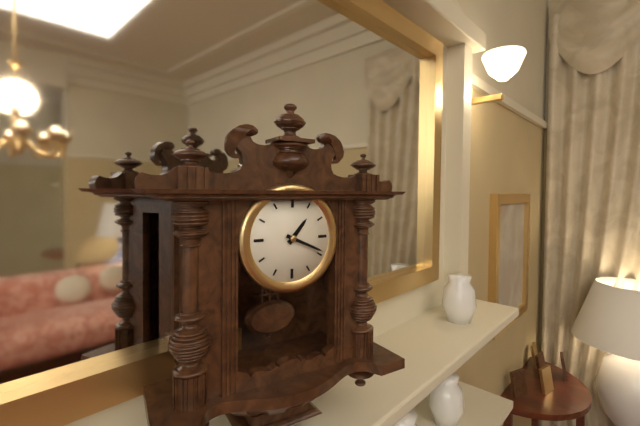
1:19
